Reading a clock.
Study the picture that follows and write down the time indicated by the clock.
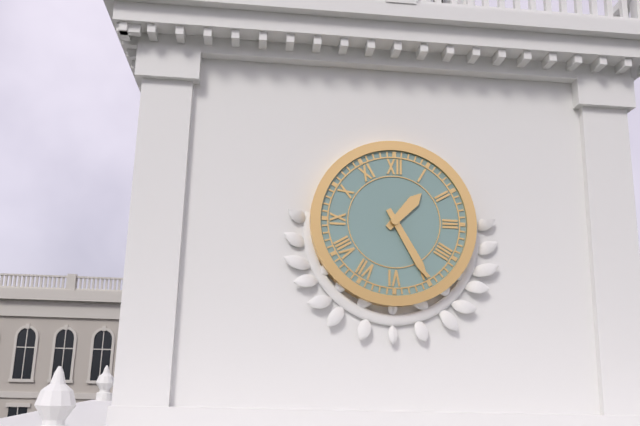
1:25
